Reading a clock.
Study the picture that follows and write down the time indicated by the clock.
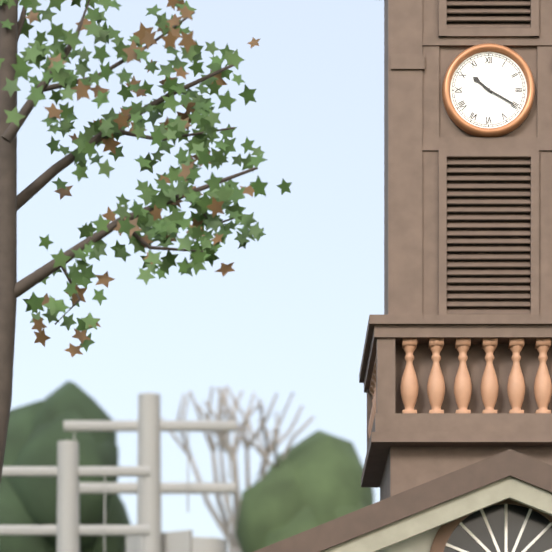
10:20
